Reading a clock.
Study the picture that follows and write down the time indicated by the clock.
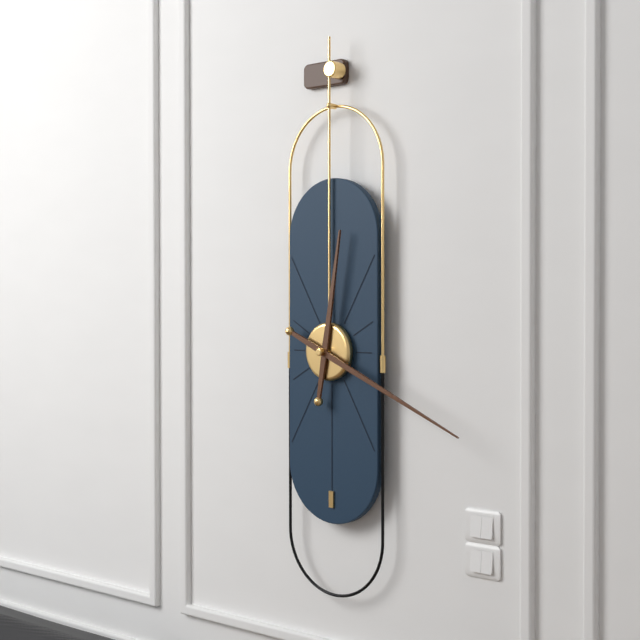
12:19
